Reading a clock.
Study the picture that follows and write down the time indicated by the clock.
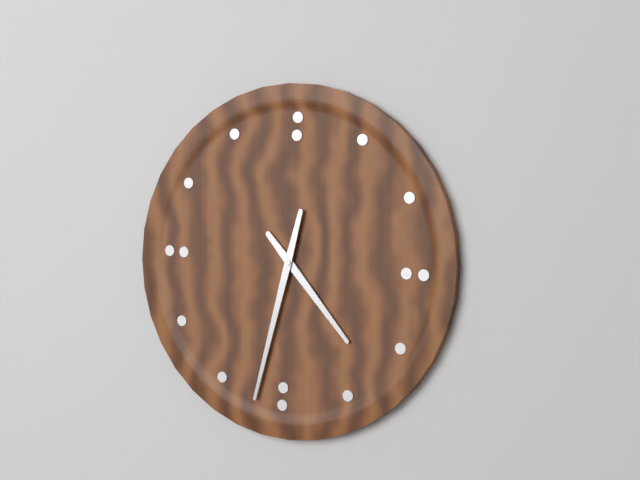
4:32
